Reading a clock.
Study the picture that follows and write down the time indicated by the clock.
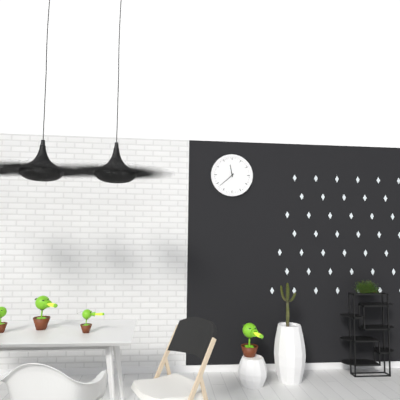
11:38
